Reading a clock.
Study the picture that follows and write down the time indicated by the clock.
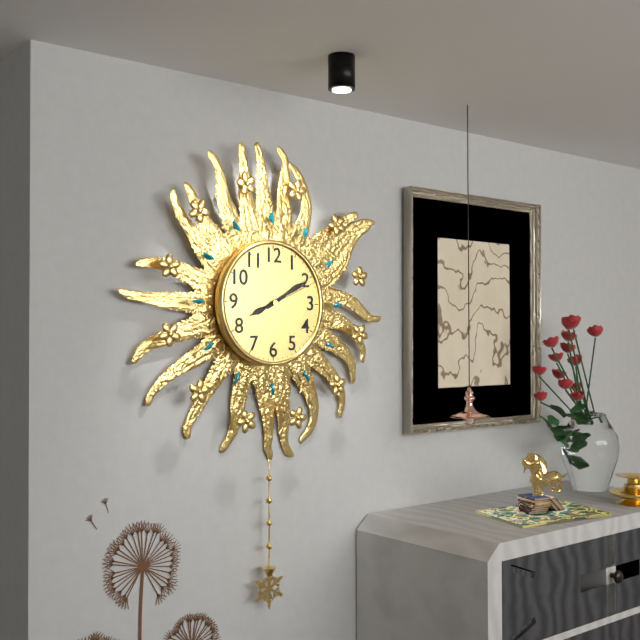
8:10:11
